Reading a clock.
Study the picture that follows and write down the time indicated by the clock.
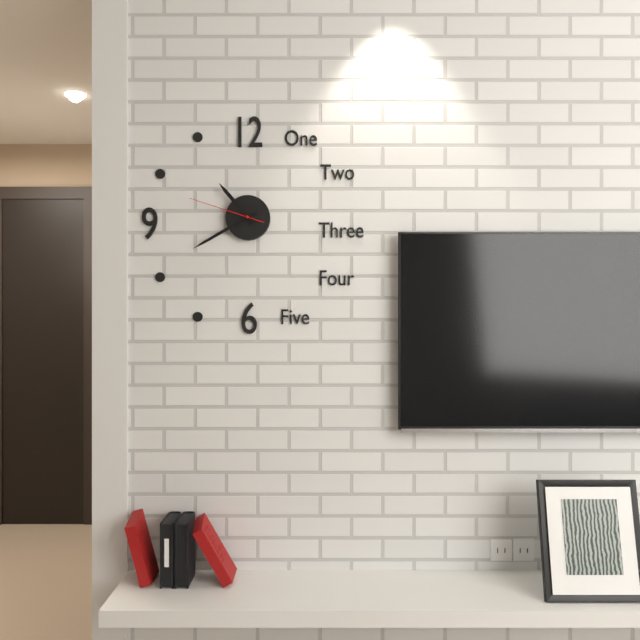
10:40:48
